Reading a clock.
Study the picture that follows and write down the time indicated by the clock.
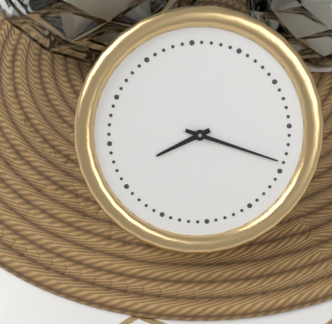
8:19
